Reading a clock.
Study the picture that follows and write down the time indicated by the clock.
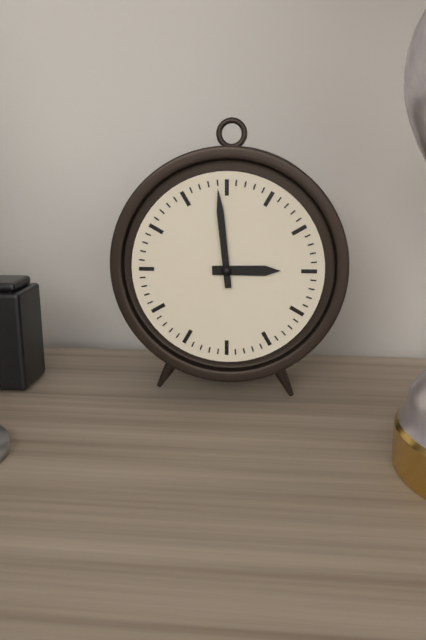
2:59
